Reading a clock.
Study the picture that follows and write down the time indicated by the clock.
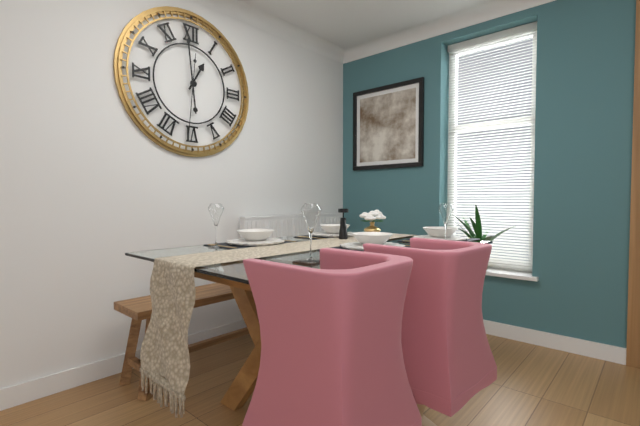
12:59:31
